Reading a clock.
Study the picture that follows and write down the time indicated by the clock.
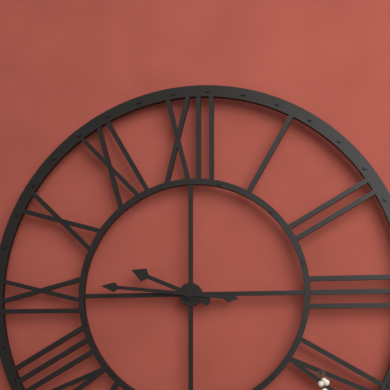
9:46
